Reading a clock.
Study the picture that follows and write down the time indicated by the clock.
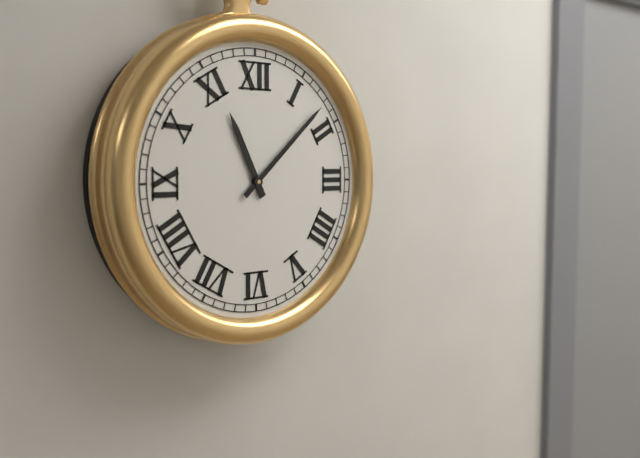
11:08
